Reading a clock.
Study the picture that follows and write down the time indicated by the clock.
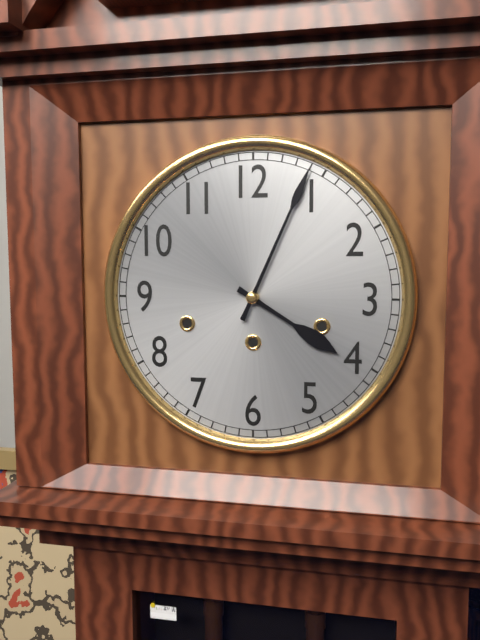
4:04
